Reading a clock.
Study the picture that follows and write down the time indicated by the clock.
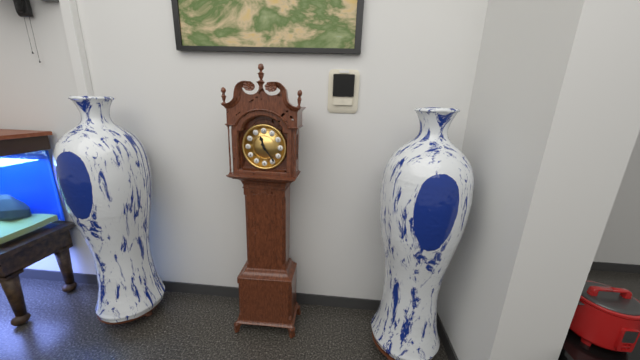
11:24
